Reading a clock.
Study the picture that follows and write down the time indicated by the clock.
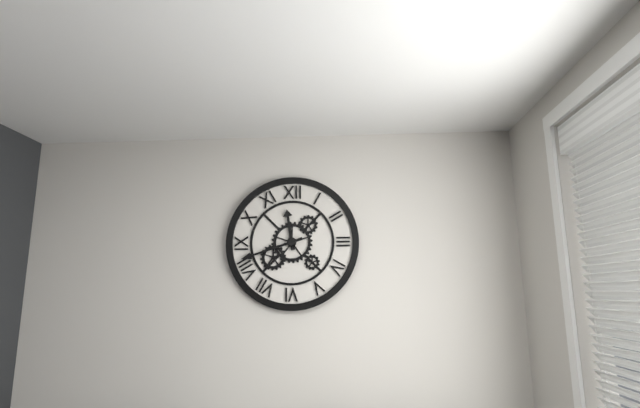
11:42
